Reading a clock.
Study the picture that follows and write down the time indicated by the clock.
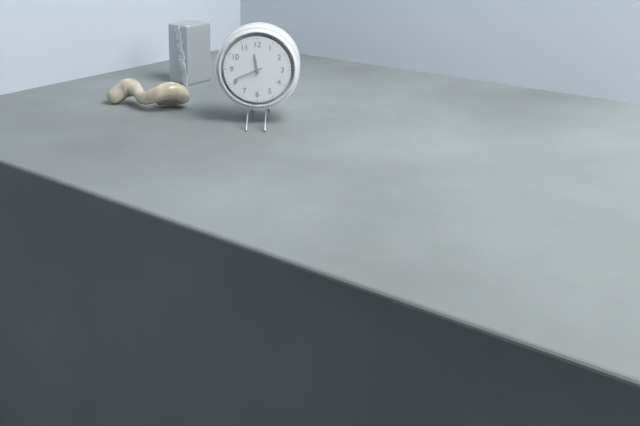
11:41
